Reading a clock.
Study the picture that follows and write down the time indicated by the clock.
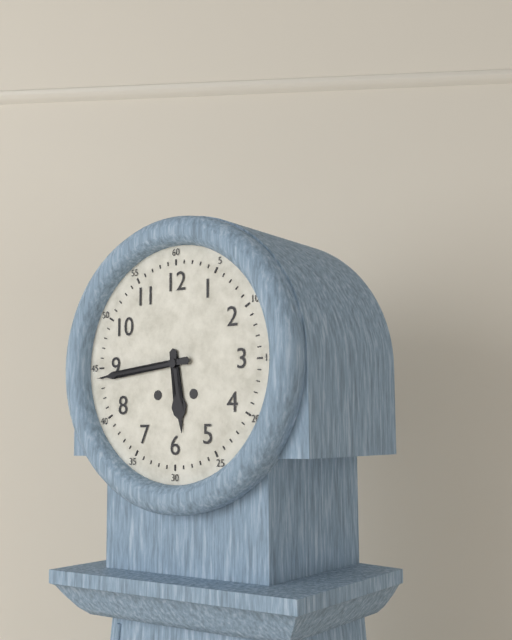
5:44
